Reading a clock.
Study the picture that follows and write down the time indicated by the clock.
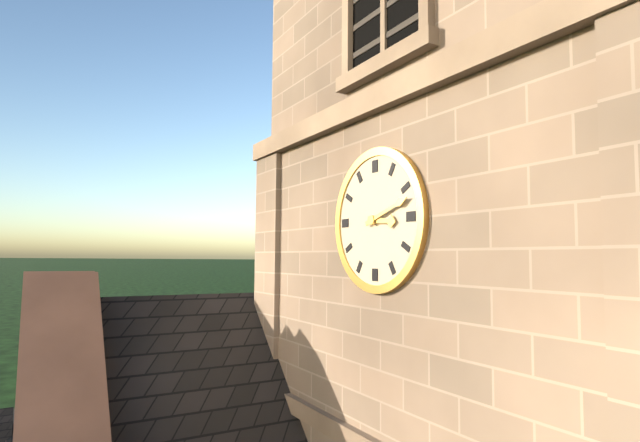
3:12
